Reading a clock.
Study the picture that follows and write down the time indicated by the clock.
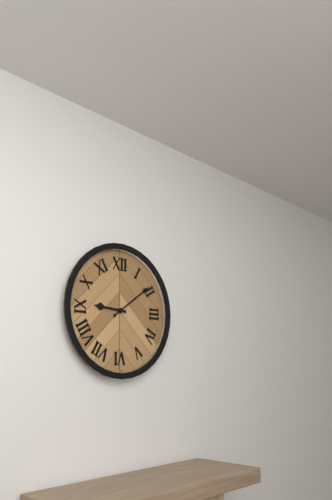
9:09
